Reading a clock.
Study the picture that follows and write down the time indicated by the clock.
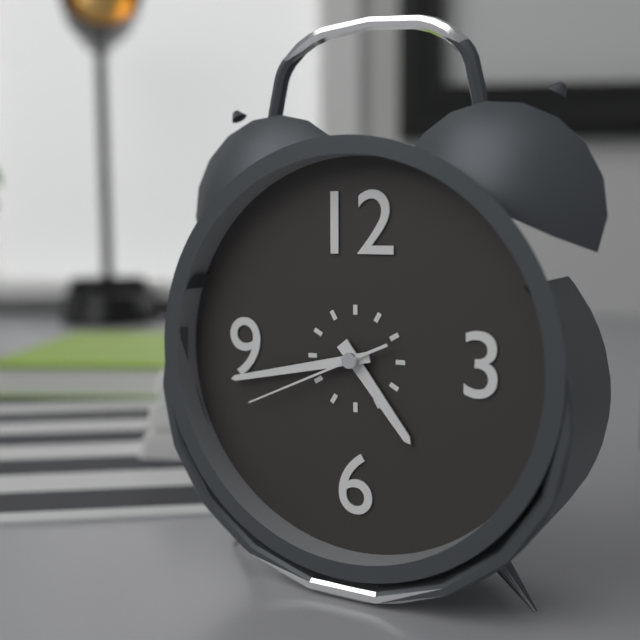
4:43:41
